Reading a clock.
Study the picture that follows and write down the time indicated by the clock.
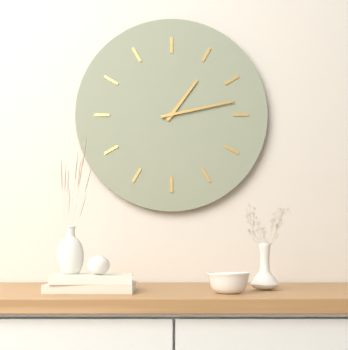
1:13
